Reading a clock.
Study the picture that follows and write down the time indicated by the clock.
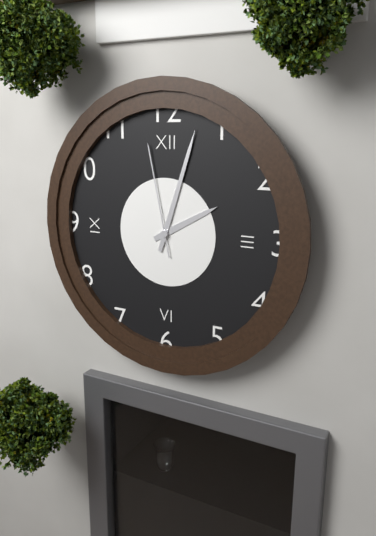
2:03:58
